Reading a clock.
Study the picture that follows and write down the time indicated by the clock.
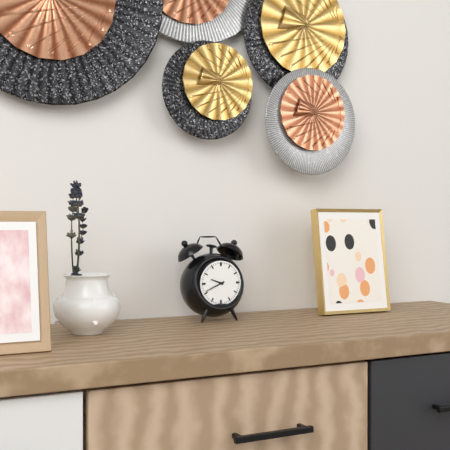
9:41
